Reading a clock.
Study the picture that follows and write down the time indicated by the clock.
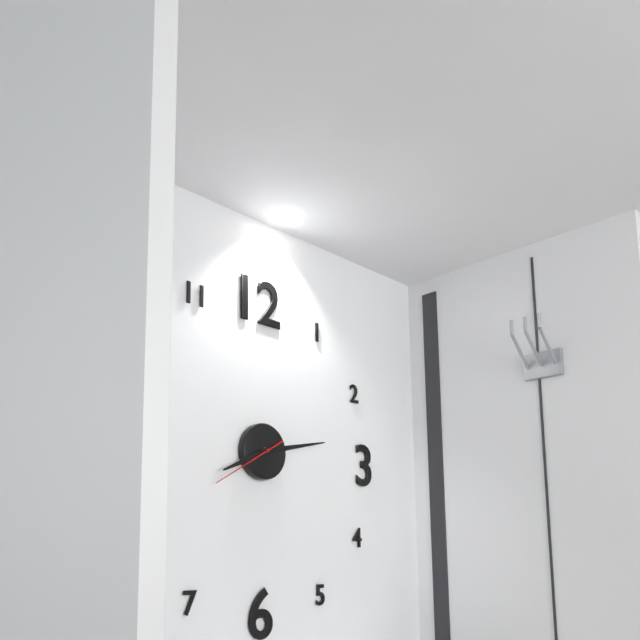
8:13:40
